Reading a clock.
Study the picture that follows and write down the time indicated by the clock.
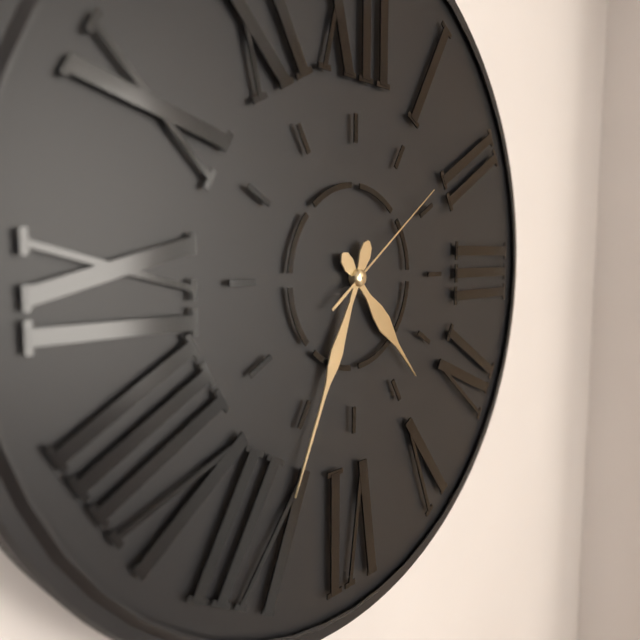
4:34:09
